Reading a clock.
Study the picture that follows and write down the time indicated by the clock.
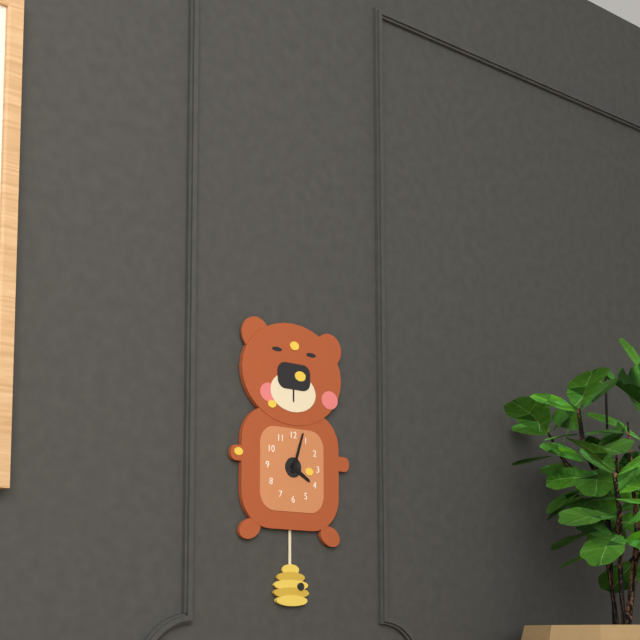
4:03
